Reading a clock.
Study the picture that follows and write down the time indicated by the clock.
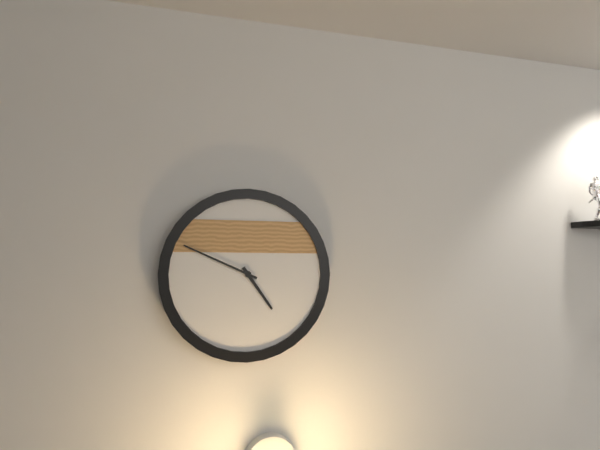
4:49
